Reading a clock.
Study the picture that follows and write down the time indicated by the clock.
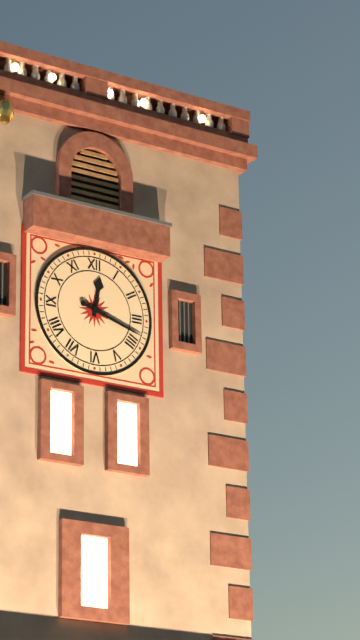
12:18
